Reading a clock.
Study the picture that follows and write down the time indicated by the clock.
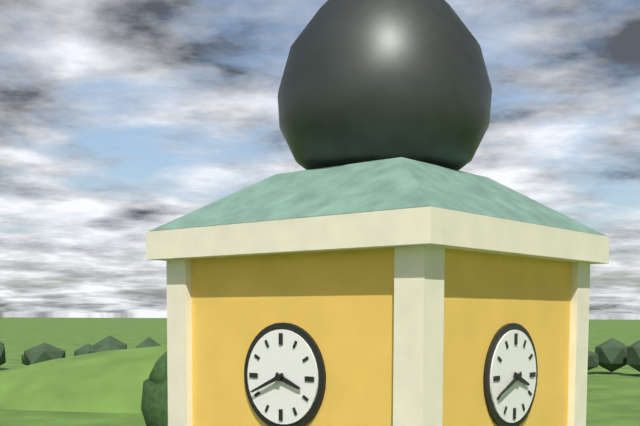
3:41
